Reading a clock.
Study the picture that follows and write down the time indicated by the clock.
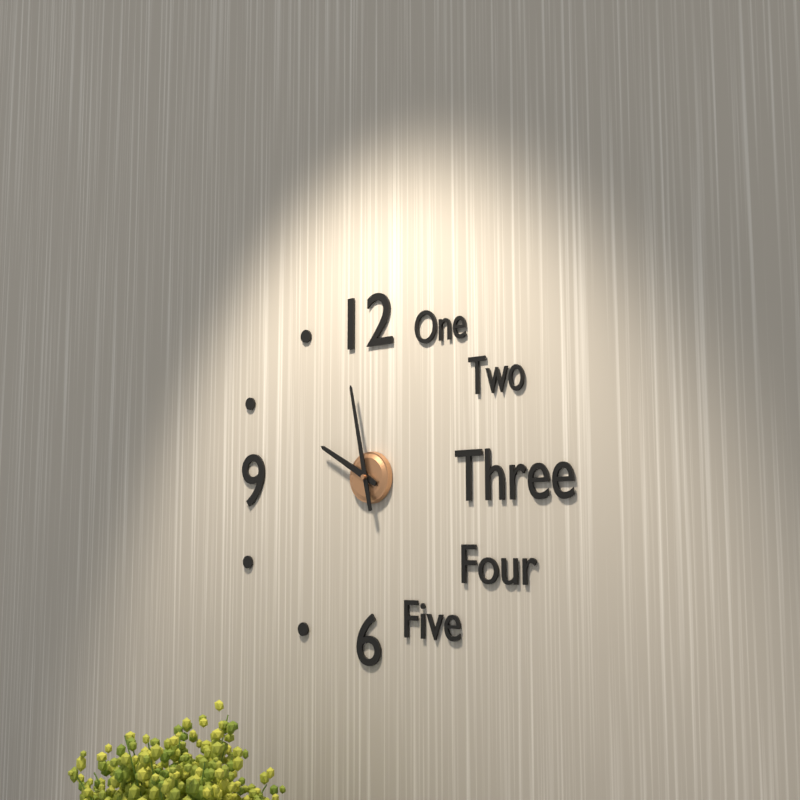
9:58
